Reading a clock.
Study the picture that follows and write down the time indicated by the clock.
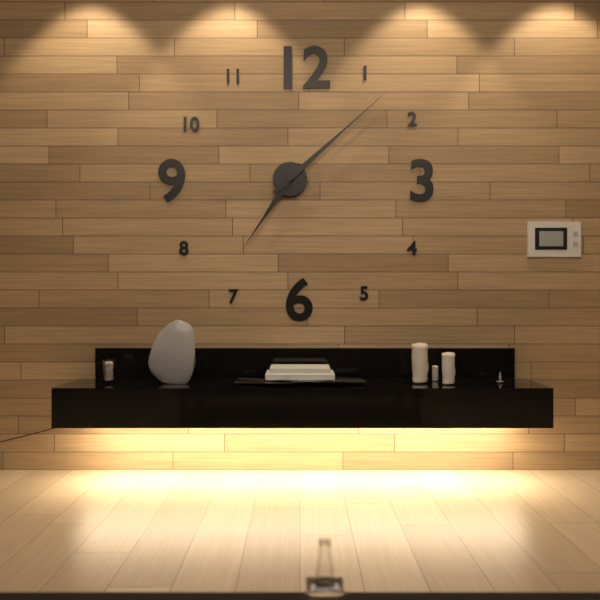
7:08
